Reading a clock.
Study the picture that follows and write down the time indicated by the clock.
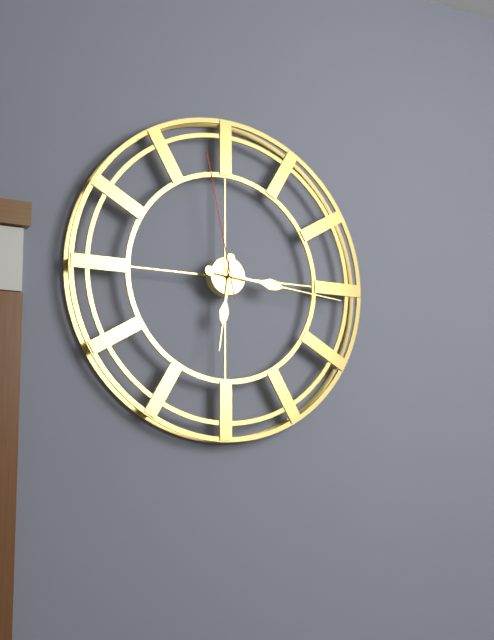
6:16:58
